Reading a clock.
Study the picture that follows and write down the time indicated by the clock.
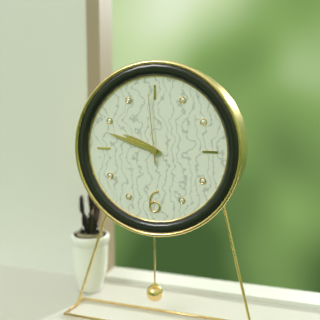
9:48:59
